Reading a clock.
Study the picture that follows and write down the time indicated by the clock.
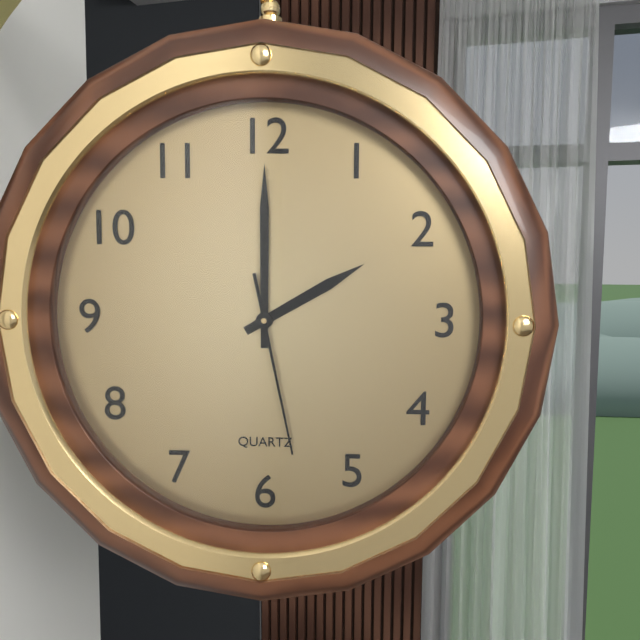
2:00:28
